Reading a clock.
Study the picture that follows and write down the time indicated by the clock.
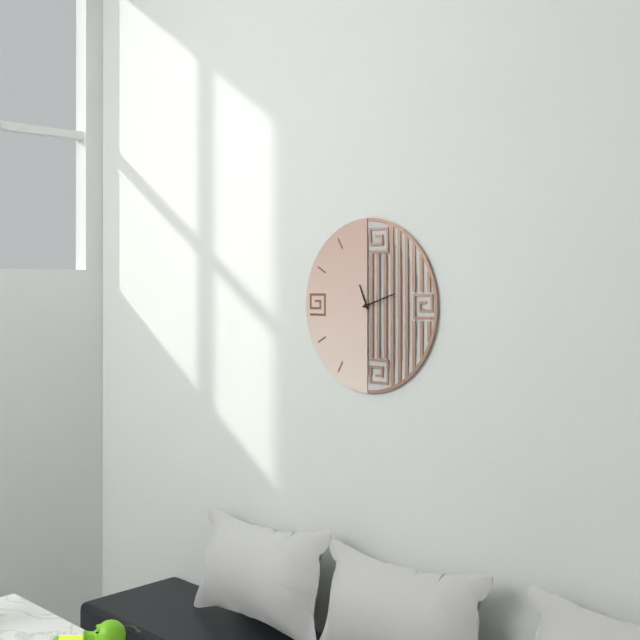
11:12
